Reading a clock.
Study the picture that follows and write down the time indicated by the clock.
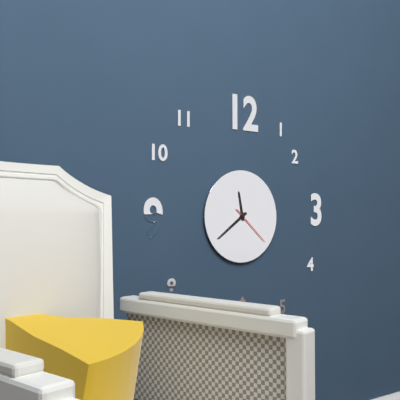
11:39
